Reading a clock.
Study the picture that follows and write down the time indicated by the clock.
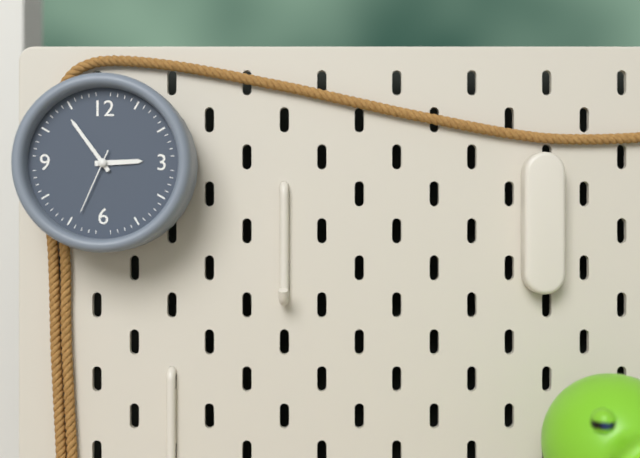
2:54:34
